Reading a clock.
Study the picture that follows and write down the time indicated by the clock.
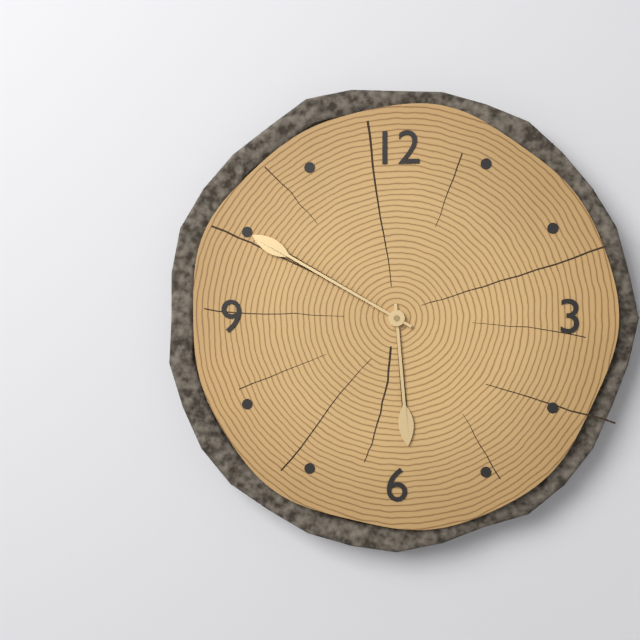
5:50
